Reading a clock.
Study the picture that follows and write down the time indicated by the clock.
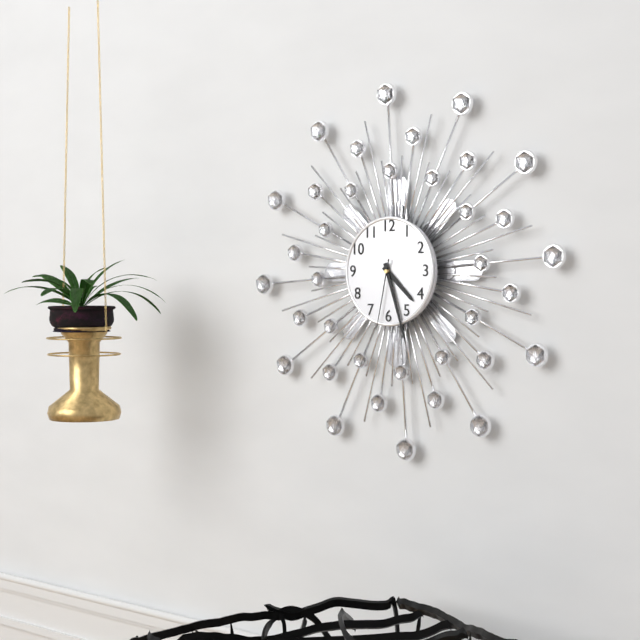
4:27:32
